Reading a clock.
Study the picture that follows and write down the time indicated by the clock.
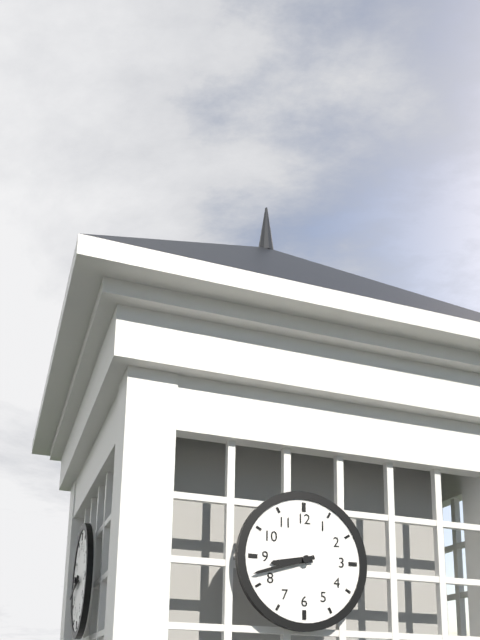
8:42
